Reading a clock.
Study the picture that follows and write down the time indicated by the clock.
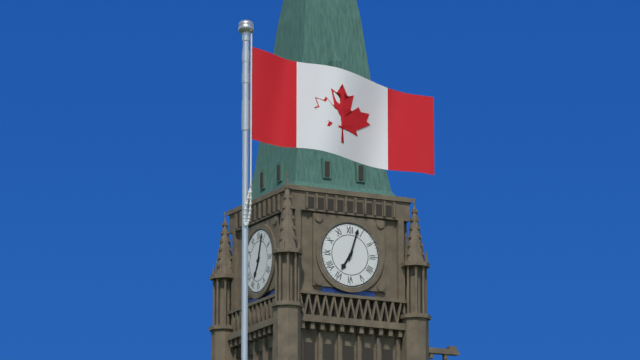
7:03
